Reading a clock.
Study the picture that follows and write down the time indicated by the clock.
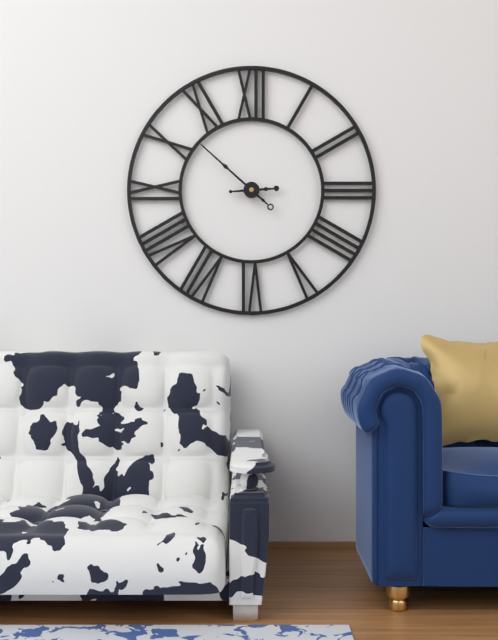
2:52
